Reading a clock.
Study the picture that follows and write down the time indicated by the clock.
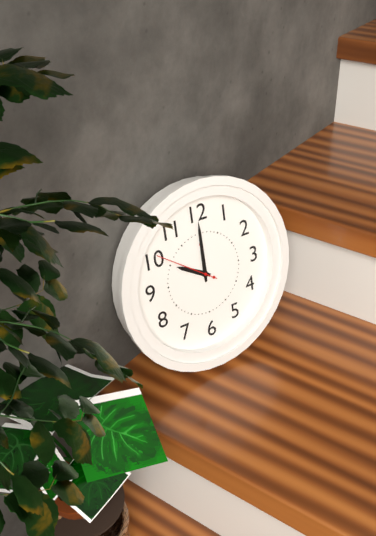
10:00:51
